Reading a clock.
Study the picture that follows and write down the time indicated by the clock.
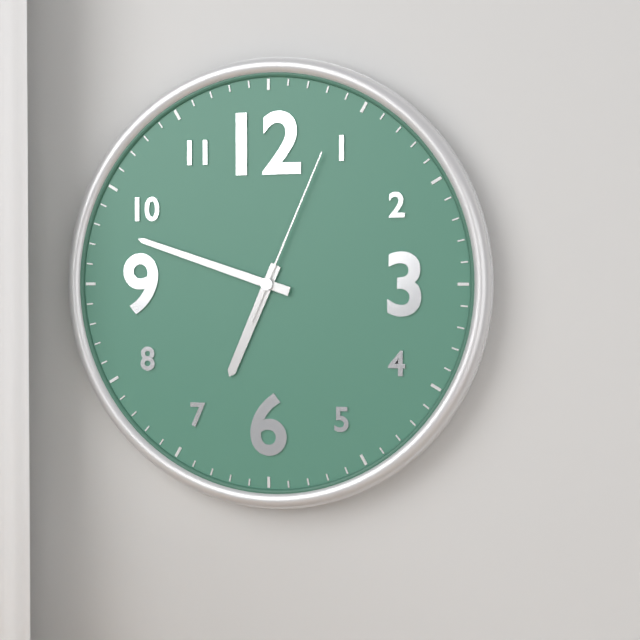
6:48:04
